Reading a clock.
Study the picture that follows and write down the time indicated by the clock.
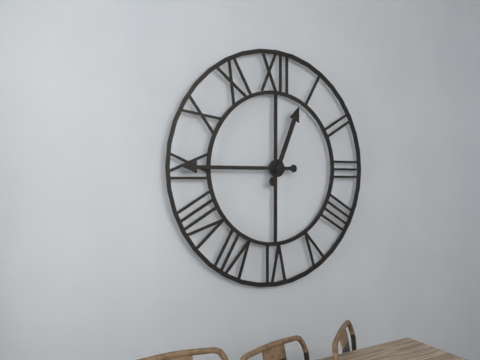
12:45
